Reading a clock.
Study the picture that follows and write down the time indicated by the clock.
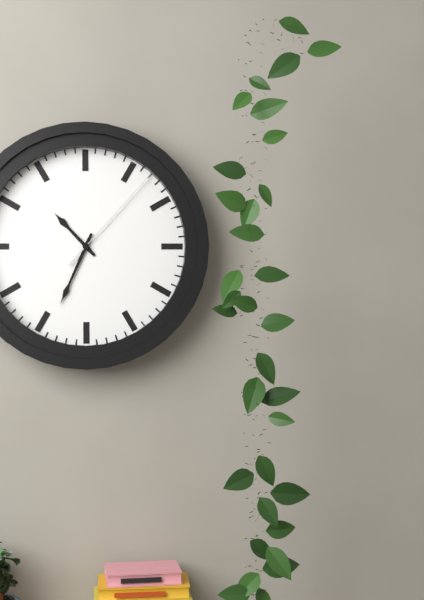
10:34:07
